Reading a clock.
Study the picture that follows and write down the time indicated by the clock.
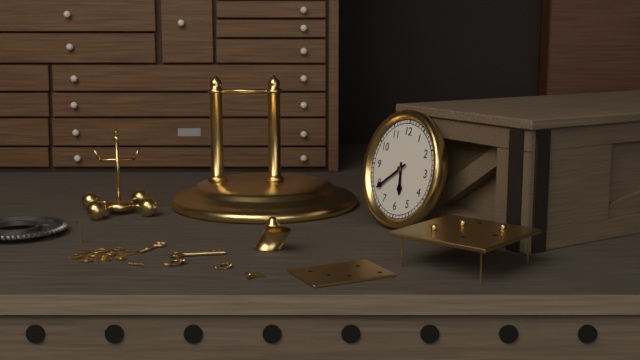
5:39
